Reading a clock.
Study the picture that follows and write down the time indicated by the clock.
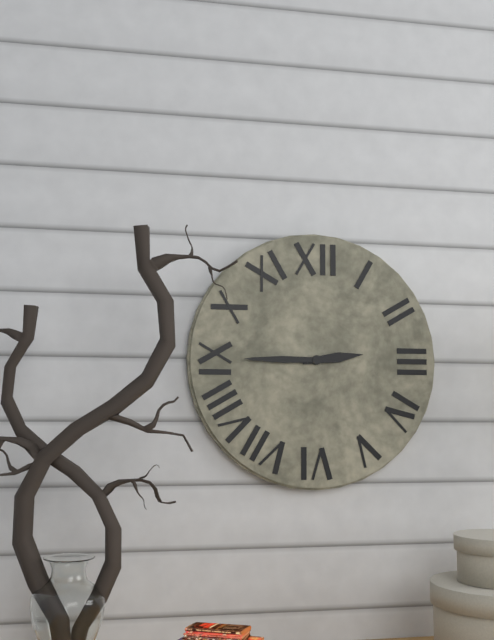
2:45
